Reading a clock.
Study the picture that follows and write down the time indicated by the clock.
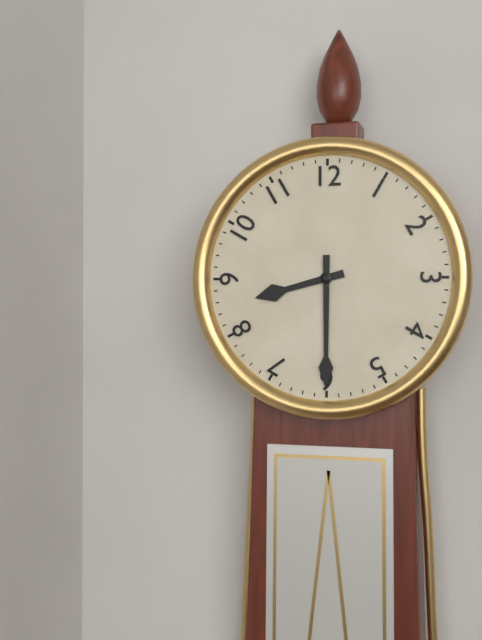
8:30
